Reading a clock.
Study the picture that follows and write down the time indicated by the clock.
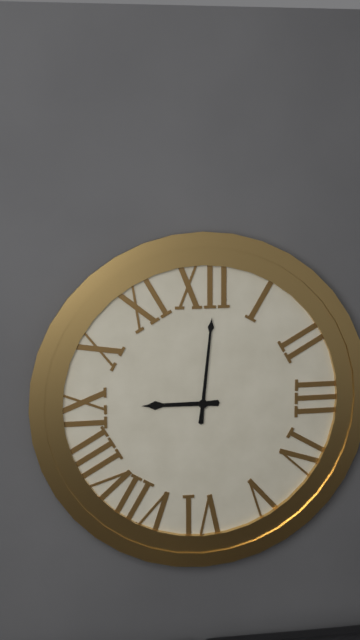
9:01
